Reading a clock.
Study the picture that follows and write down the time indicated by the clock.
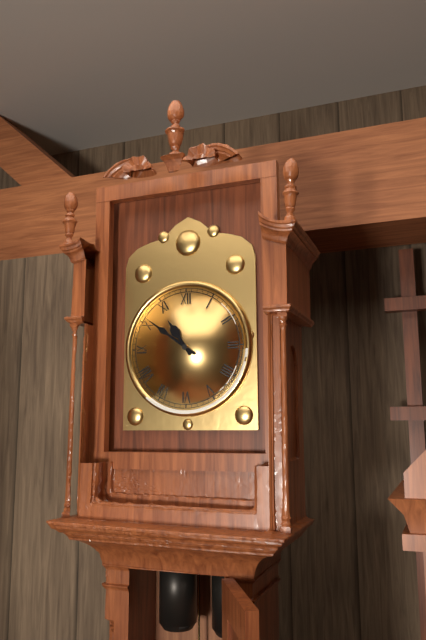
10:51
